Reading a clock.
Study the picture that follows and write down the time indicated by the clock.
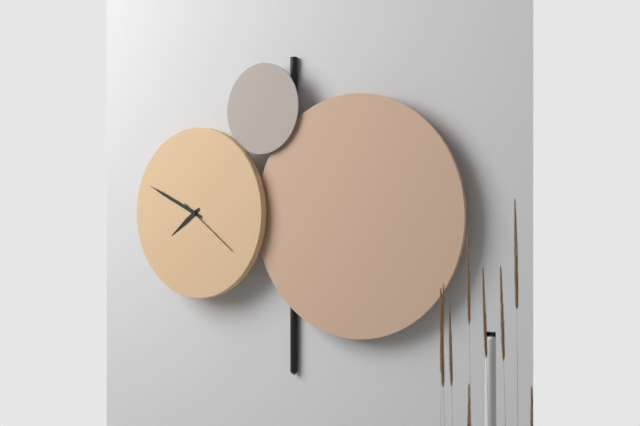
7:49:21
